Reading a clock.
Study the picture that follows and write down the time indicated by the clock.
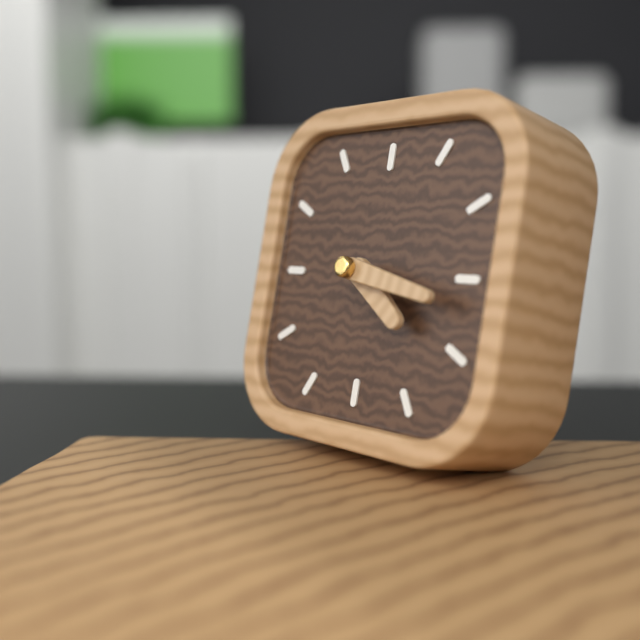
4:17
